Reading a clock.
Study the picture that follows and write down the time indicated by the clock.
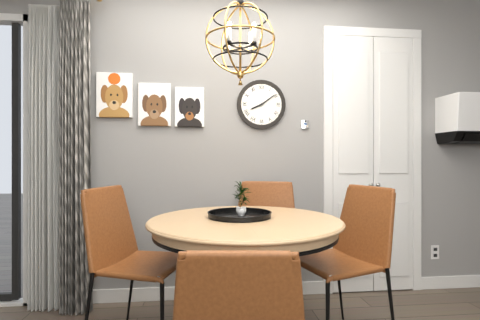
8:09
